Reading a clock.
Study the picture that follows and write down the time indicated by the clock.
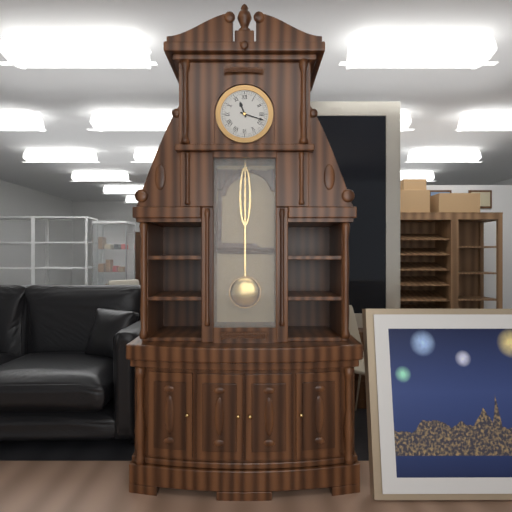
11:18
